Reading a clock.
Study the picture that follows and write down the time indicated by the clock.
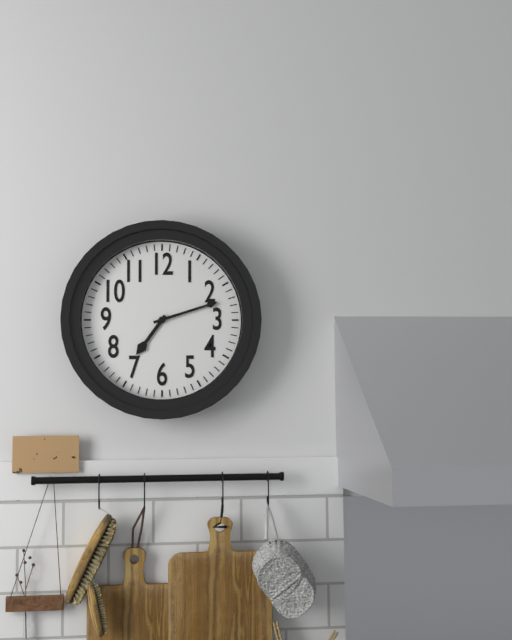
7:12
